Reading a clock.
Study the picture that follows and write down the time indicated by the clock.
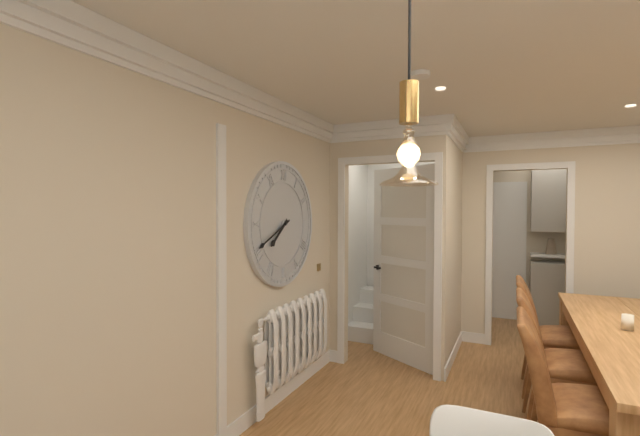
7:41
